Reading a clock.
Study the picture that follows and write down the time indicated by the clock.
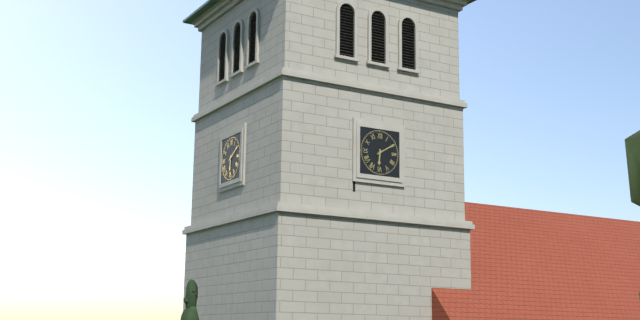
6:10
